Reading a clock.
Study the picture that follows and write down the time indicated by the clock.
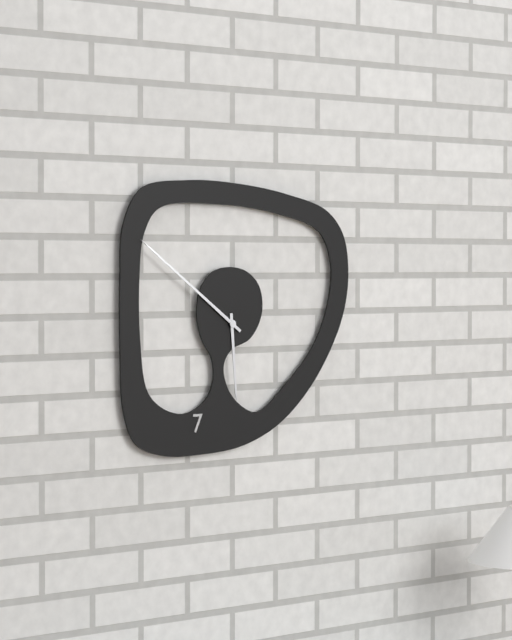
5:51
